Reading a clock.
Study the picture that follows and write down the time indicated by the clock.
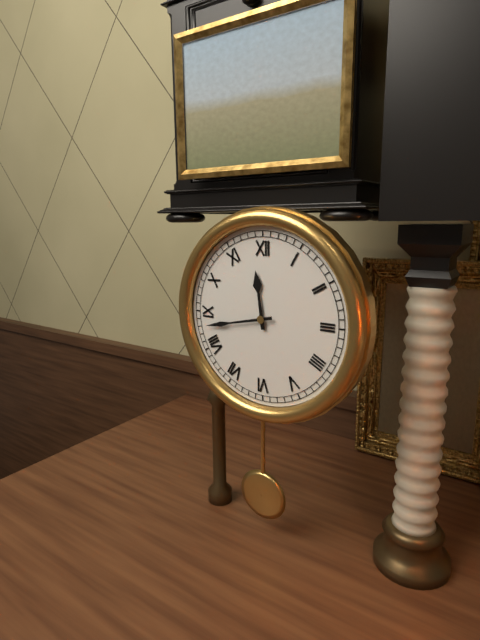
11:43
